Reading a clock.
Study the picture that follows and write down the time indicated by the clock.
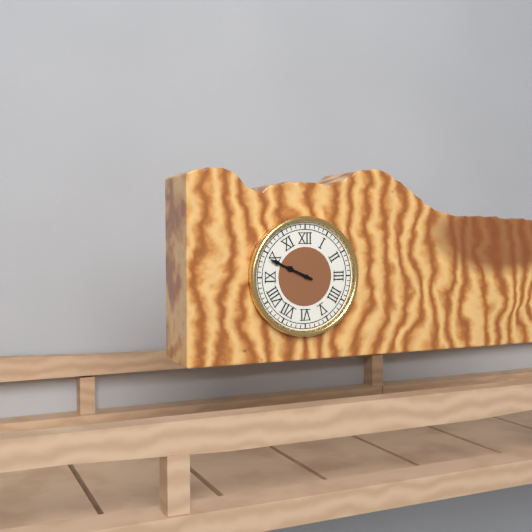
9:49
